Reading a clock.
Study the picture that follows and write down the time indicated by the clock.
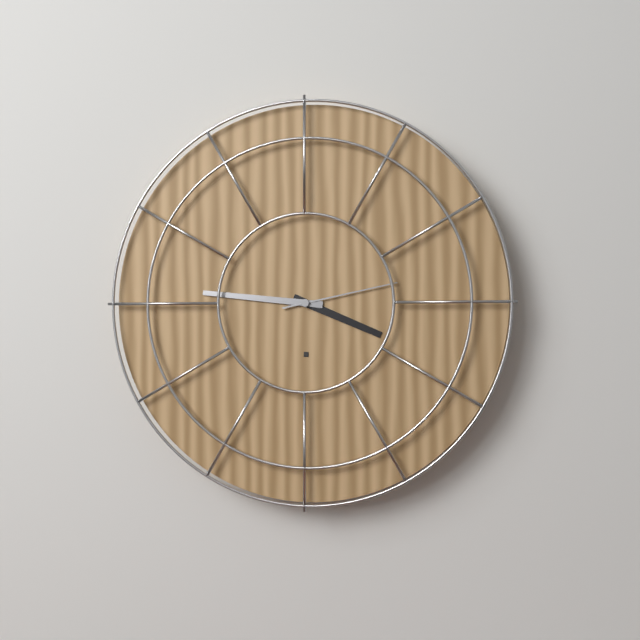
3:46:13
